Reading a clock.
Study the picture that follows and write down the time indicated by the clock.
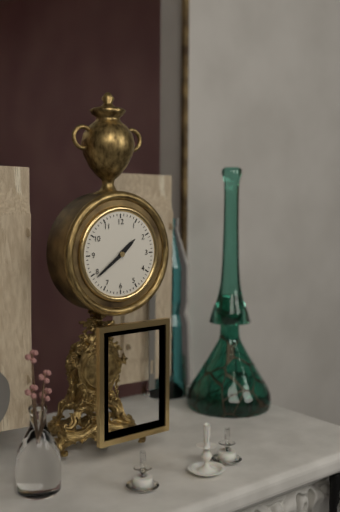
1:39
